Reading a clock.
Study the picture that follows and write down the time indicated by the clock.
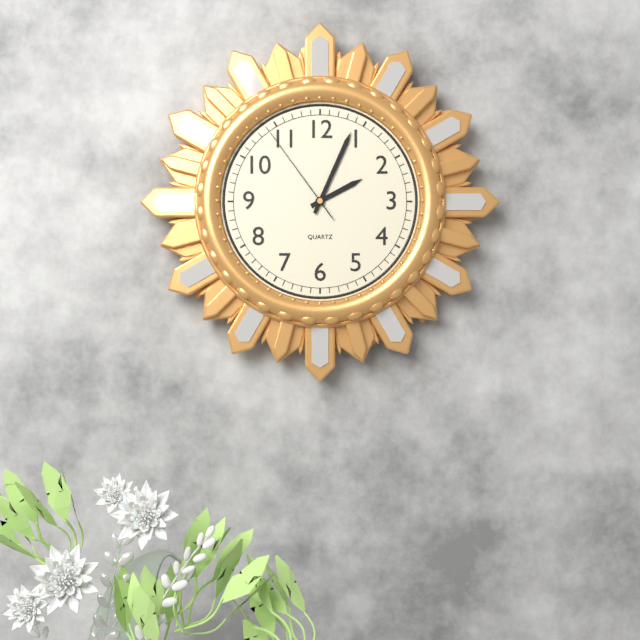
2:04:54
